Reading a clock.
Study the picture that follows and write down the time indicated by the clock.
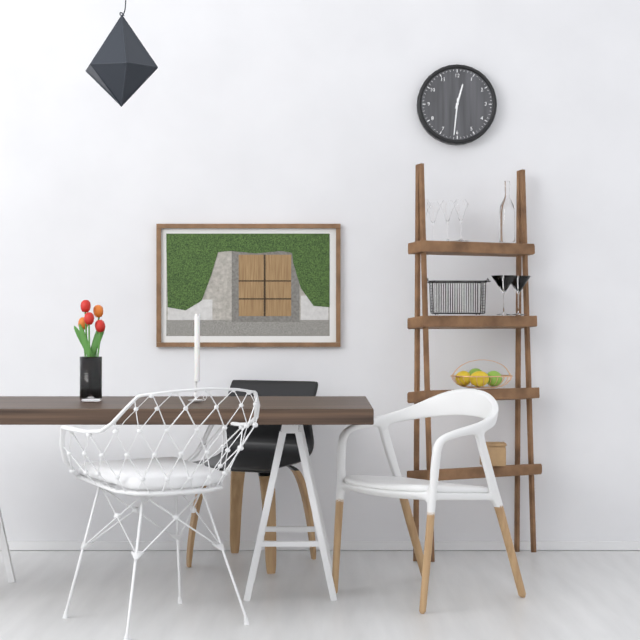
12:31
